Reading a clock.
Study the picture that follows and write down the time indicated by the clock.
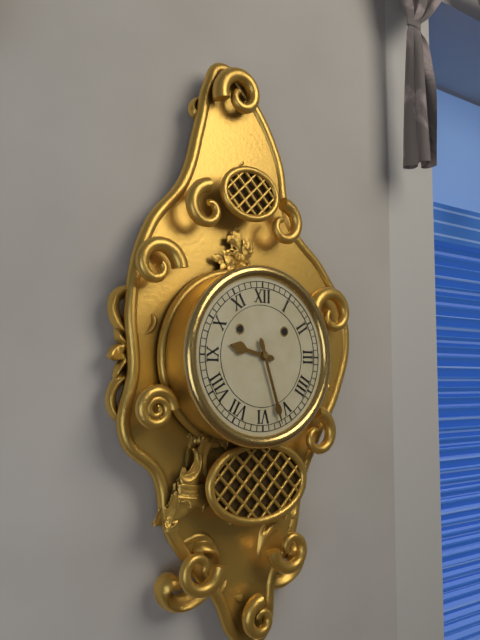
9:27
